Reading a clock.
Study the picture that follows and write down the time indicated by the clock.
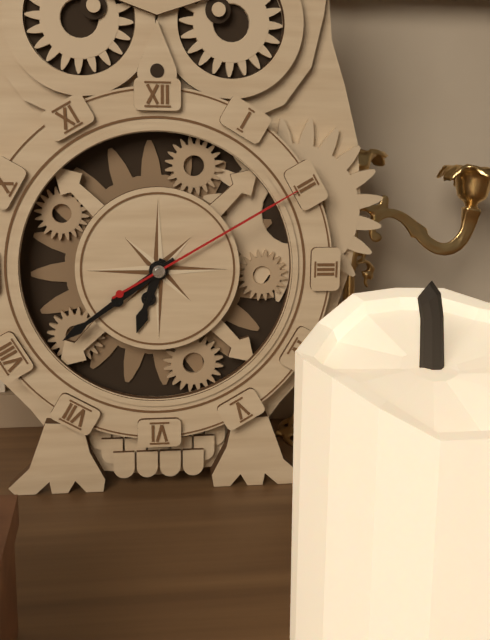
6:39:10
